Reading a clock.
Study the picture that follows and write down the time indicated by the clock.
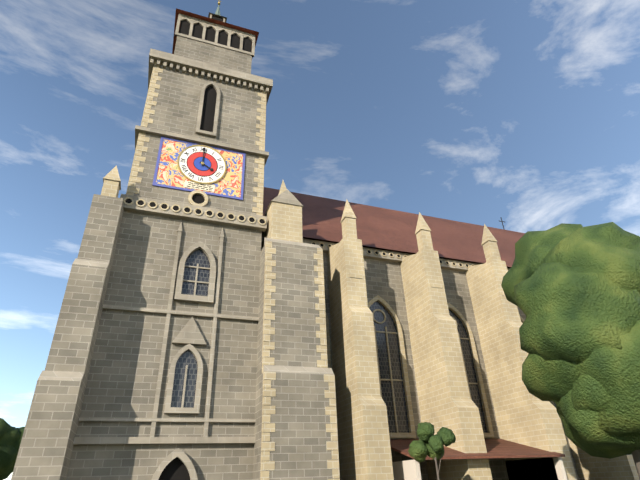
4:00
